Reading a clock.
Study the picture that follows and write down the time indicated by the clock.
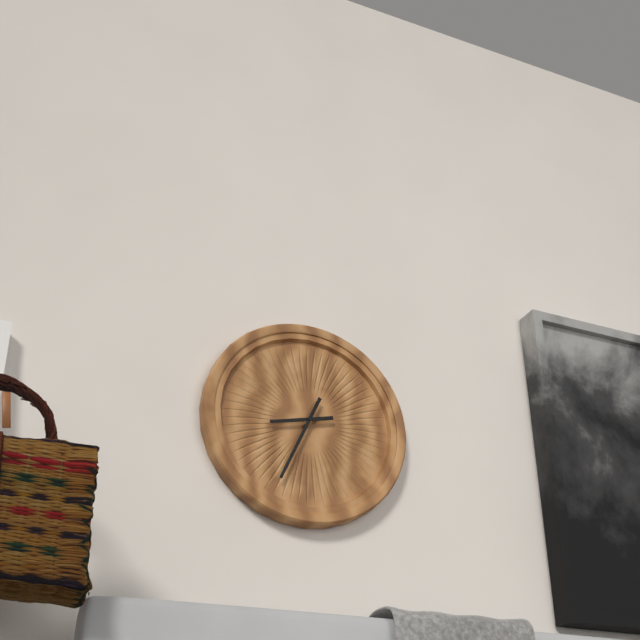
8:34
